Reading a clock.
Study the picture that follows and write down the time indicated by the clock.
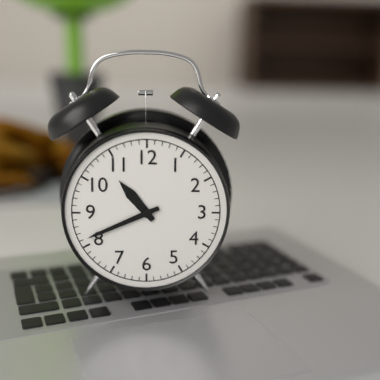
10:41
